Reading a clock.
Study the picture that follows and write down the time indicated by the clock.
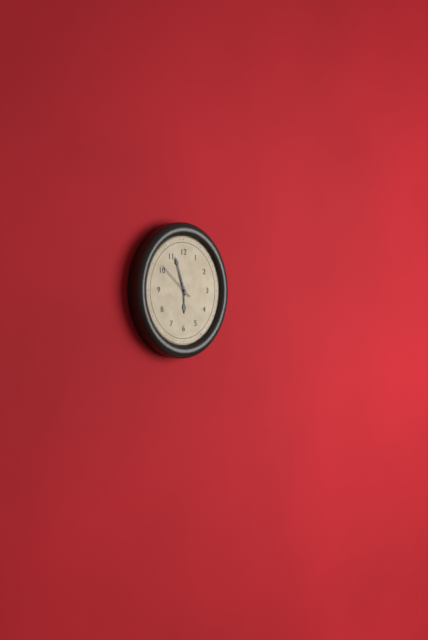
5:57
